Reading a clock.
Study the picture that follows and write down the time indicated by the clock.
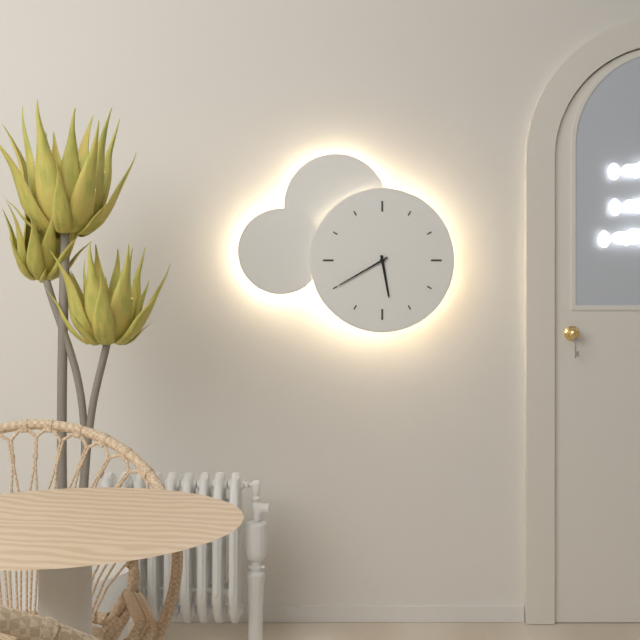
5:40
